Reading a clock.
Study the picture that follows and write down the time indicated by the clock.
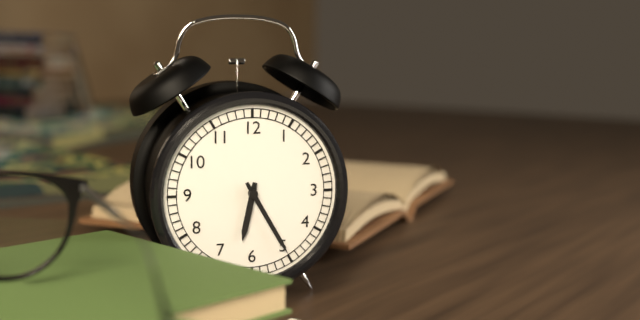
6:25
